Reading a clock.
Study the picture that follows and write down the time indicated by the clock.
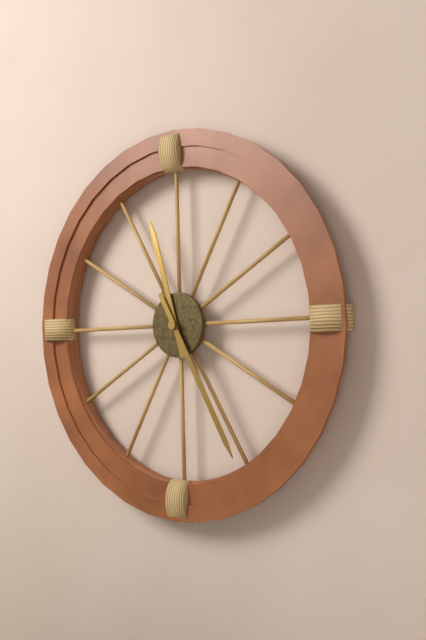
11:25
